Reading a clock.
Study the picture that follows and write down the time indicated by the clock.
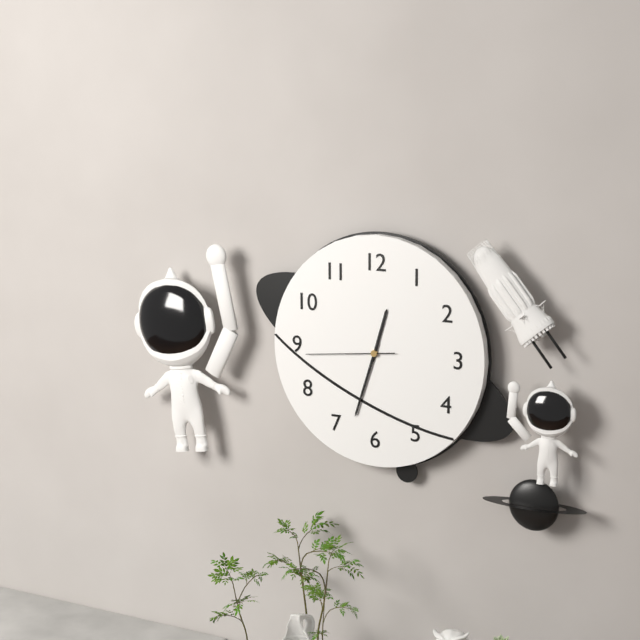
12:33:44
